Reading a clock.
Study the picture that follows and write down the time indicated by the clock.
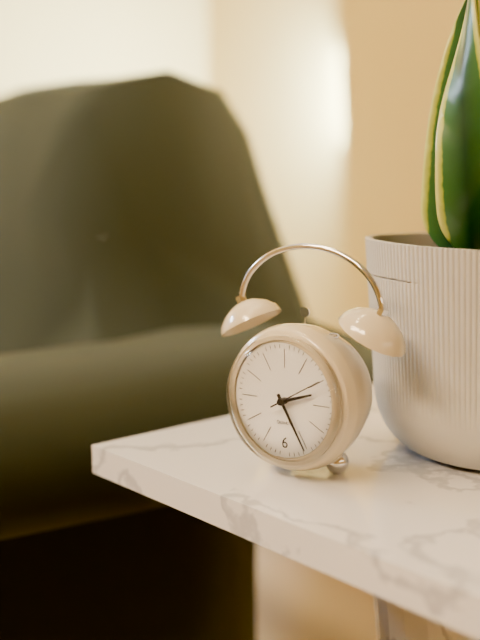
2:25:10
